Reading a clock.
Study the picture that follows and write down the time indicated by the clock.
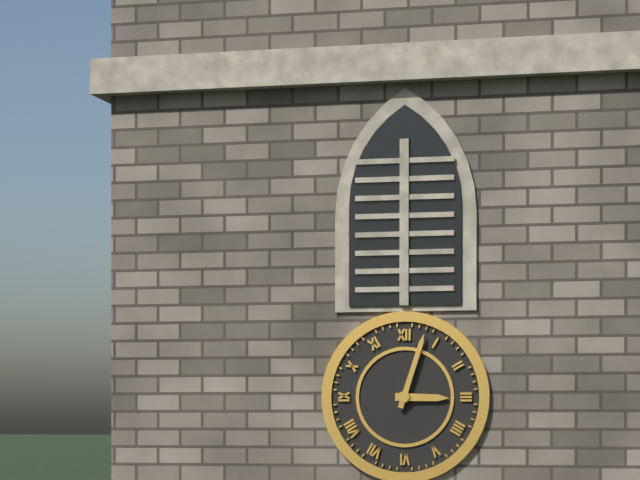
3:03
